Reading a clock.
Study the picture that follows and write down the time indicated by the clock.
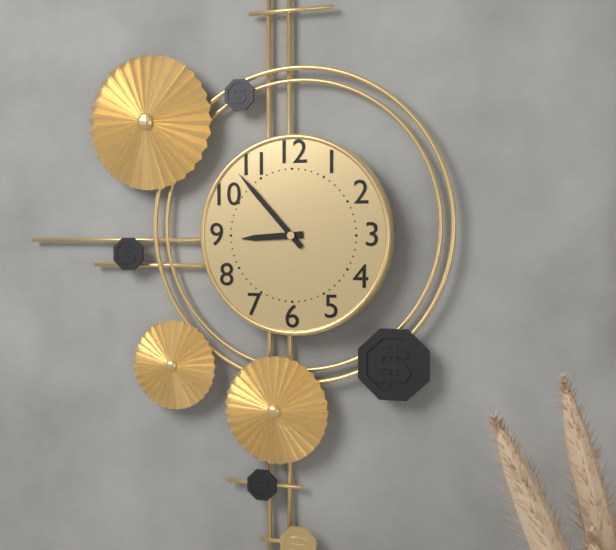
8:53
